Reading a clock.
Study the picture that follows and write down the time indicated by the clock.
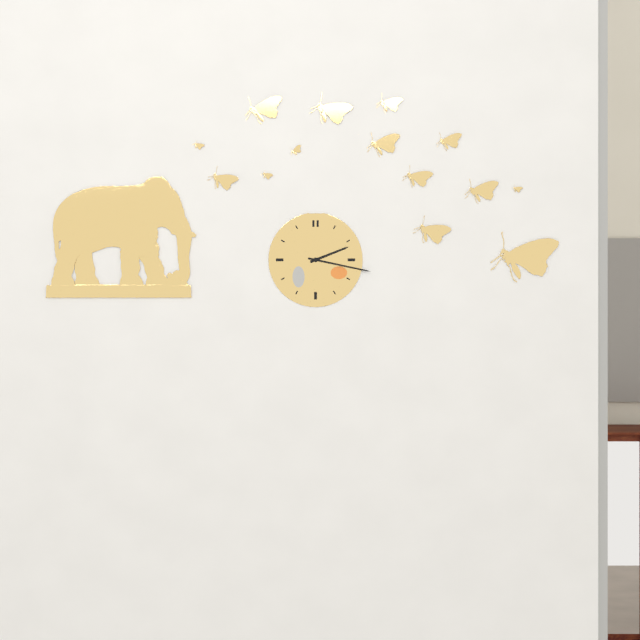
2:17
